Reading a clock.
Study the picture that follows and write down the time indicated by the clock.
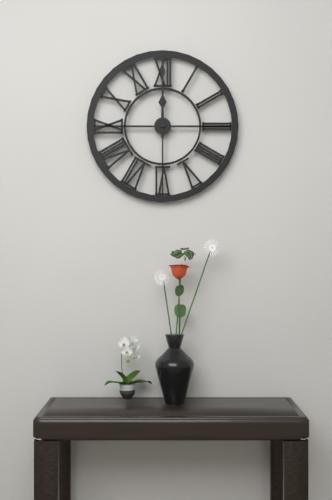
12:00
